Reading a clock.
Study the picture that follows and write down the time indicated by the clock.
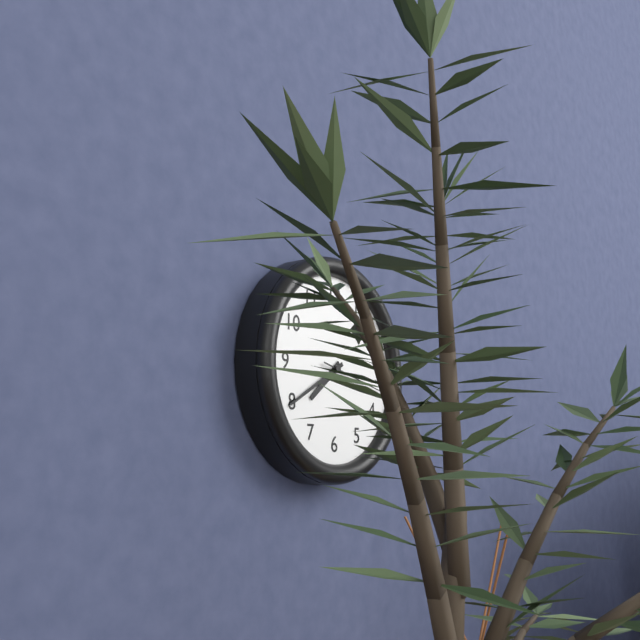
7:40:17
